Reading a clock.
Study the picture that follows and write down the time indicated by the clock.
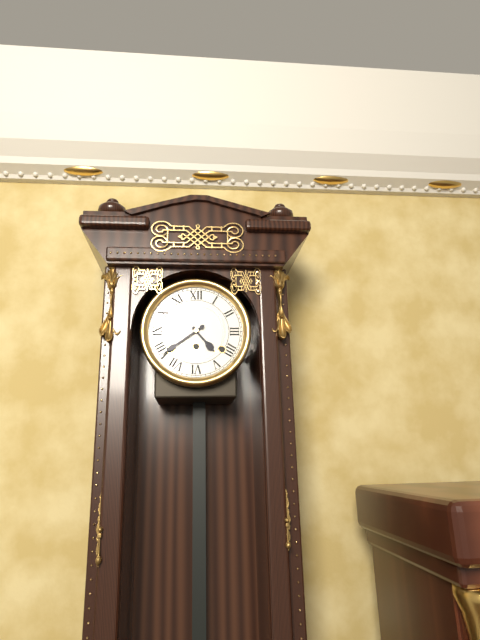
4:39
